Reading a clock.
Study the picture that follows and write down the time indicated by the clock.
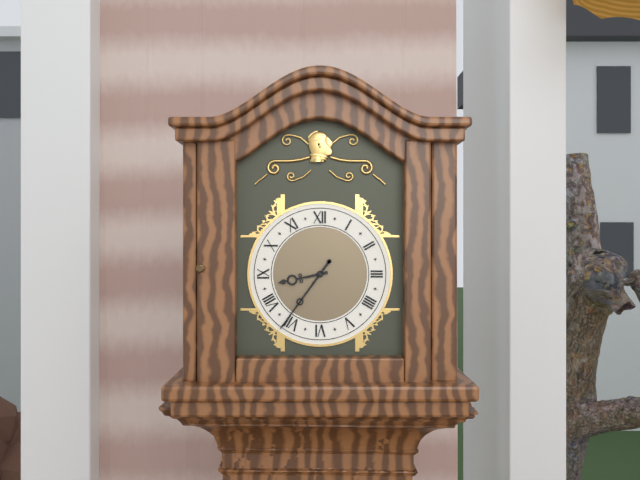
8:36
